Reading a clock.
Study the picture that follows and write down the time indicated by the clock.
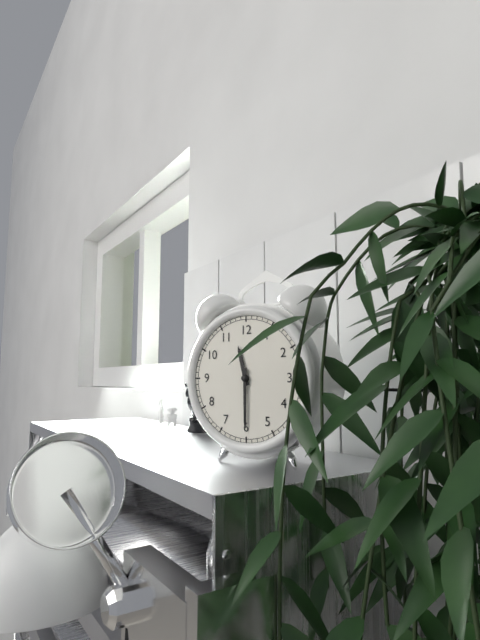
11:30
